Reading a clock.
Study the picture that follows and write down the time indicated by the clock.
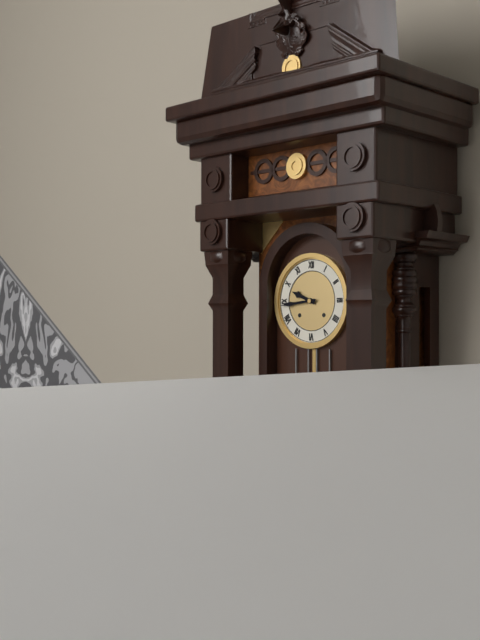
9:44
